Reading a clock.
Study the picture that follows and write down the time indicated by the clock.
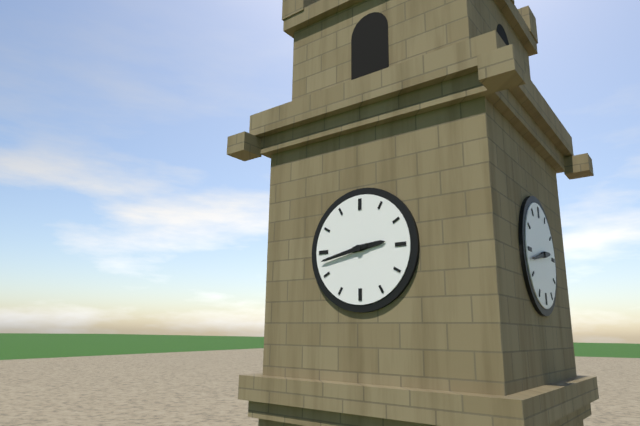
2:43
